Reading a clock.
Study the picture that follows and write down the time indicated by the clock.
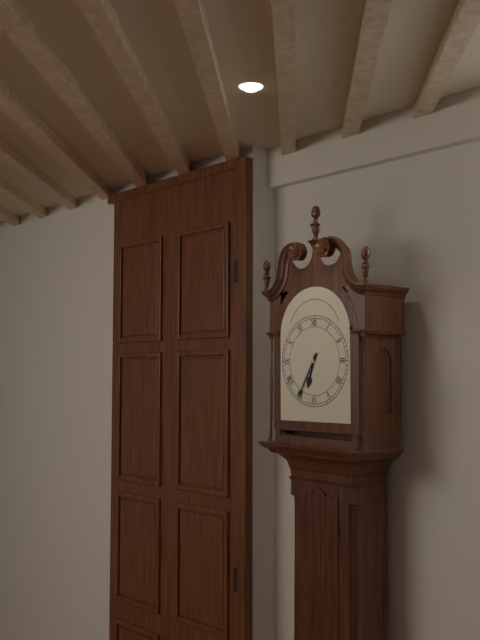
6:35
